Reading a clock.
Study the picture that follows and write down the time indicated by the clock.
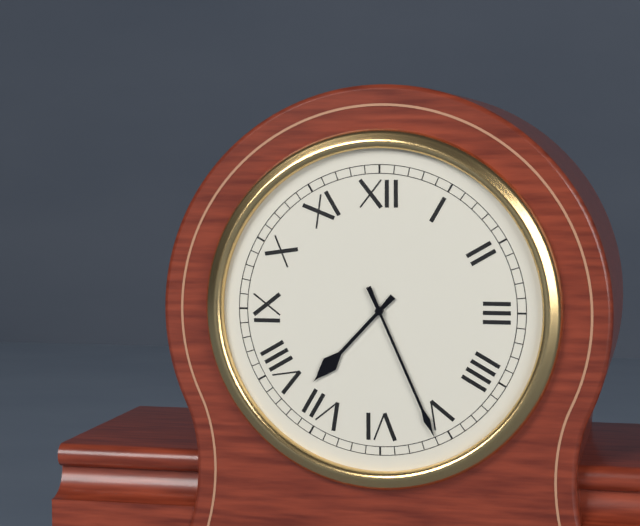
7:26
